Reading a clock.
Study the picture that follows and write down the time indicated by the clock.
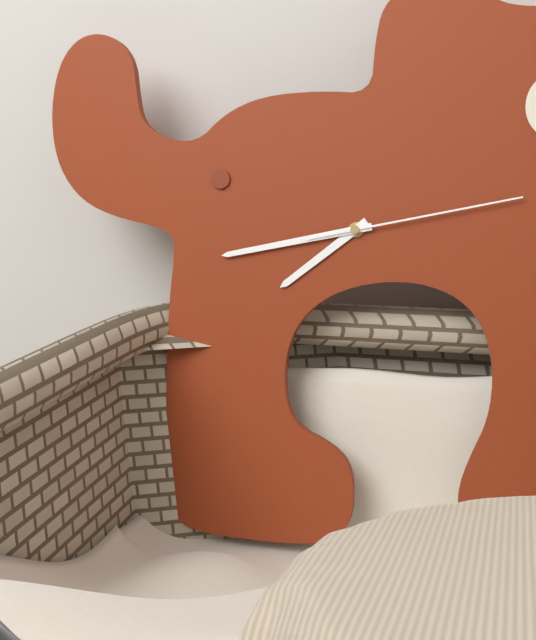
7:43:13
